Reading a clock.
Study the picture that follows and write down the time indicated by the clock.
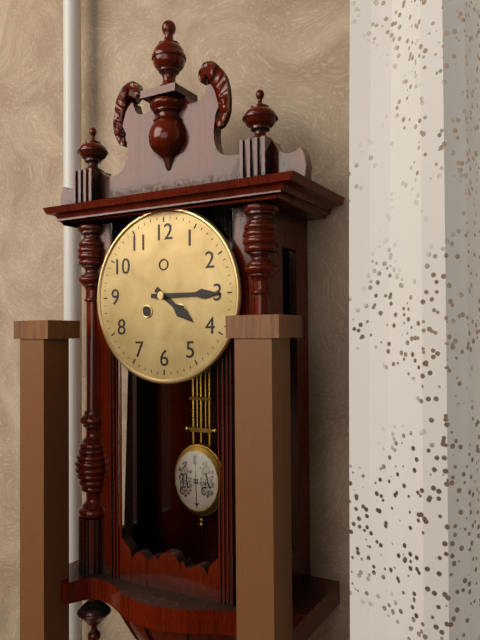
4:15
